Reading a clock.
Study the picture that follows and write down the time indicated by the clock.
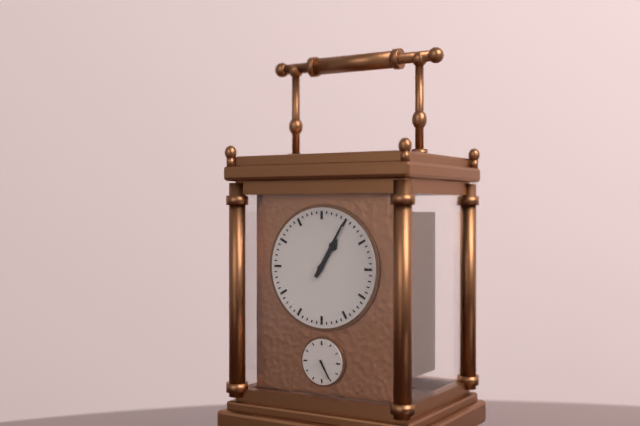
1:05
